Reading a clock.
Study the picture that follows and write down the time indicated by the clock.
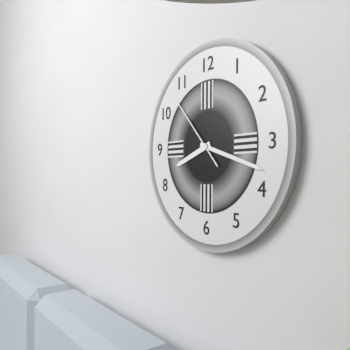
8:18:53
